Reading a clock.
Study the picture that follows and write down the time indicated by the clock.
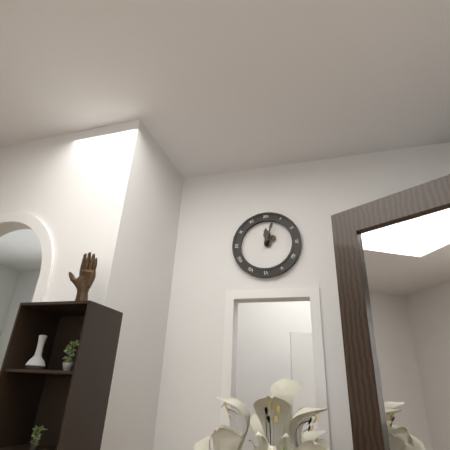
12:03
